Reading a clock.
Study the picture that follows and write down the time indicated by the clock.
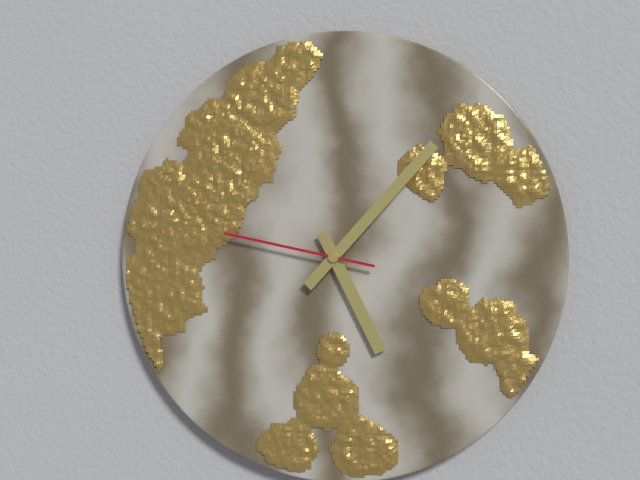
5:07:47
